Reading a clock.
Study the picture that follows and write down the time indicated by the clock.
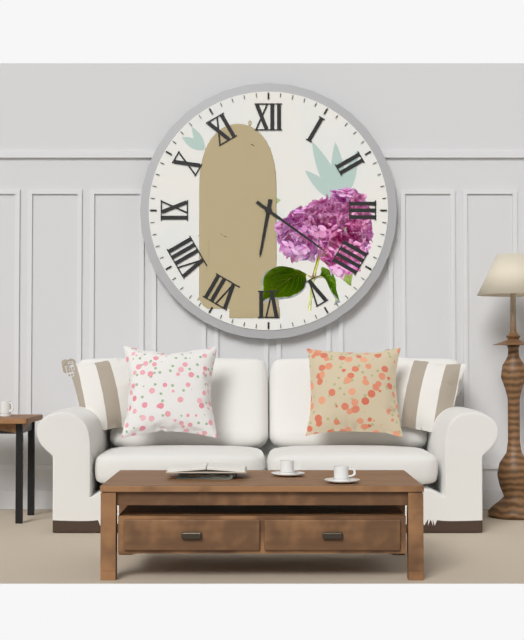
6:21
